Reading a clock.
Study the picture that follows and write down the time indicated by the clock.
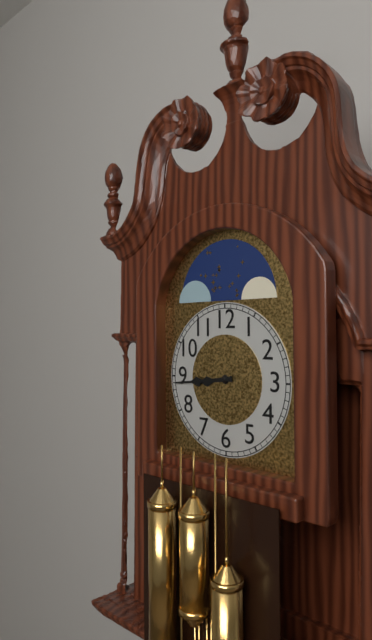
8:44
